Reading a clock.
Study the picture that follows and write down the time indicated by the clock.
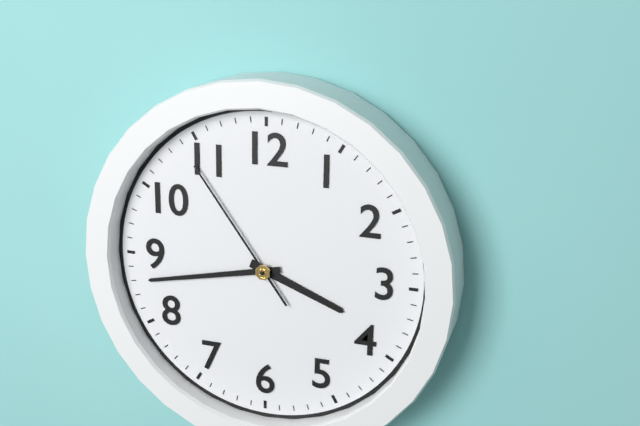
3:43:54
